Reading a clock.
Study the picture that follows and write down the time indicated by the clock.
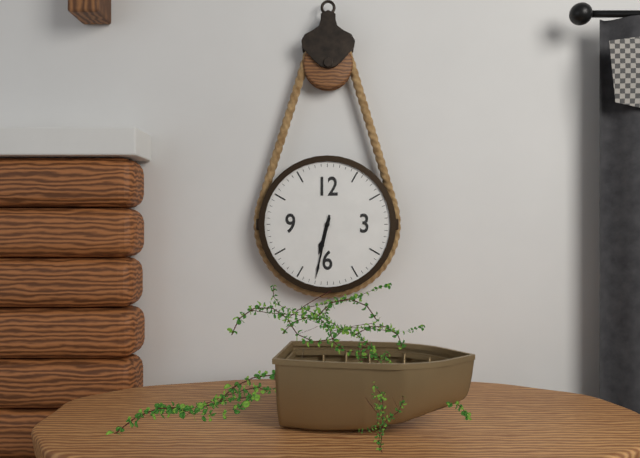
6:32
